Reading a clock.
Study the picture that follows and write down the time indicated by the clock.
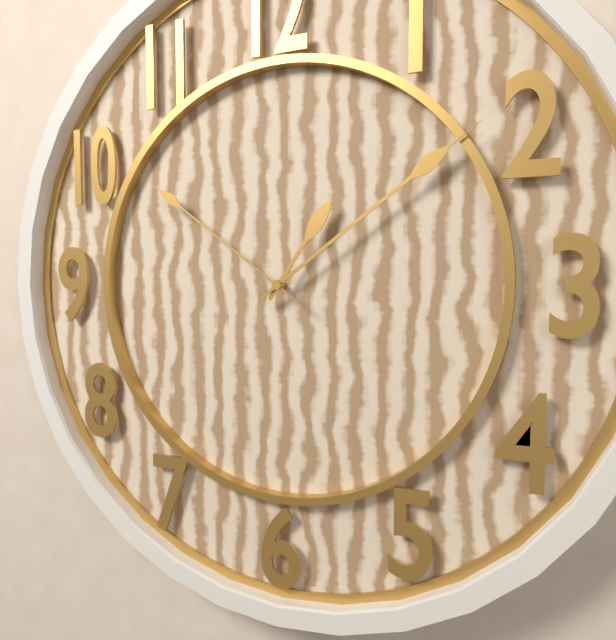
1:09:51
